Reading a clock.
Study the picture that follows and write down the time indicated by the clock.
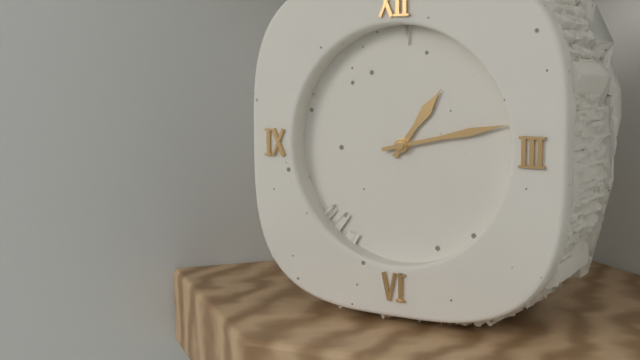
1:13
